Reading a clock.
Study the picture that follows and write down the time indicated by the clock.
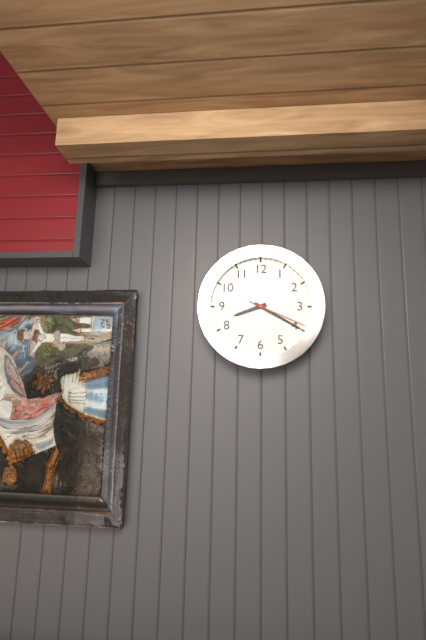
8:20:19
